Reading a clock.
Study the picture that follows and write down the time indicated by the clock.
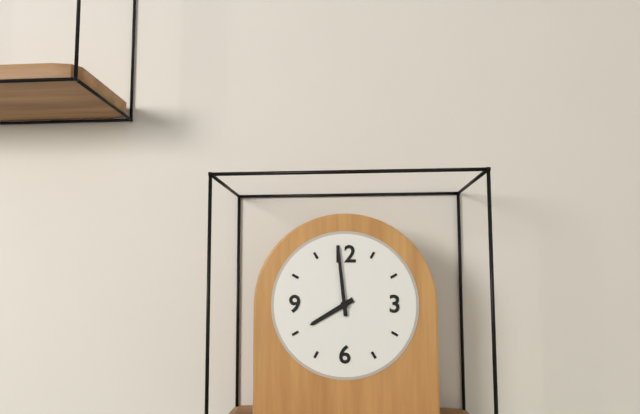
7:59
